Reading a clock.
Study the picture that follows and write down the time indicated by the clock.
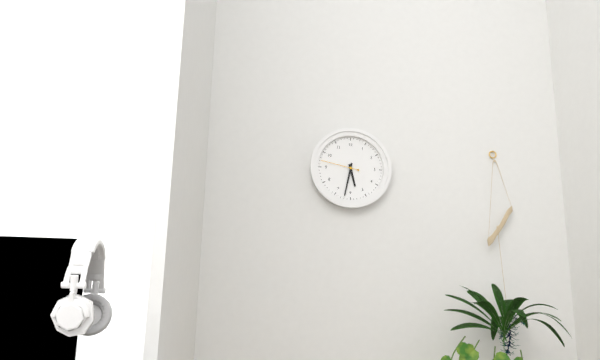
5:32
